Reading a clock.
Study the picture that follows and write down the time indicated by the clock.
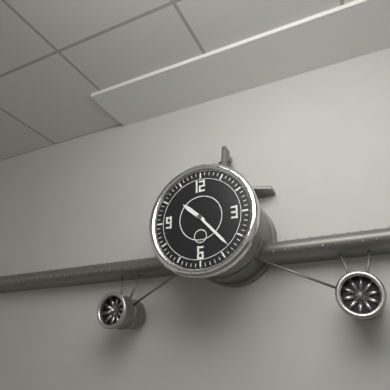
10:23
